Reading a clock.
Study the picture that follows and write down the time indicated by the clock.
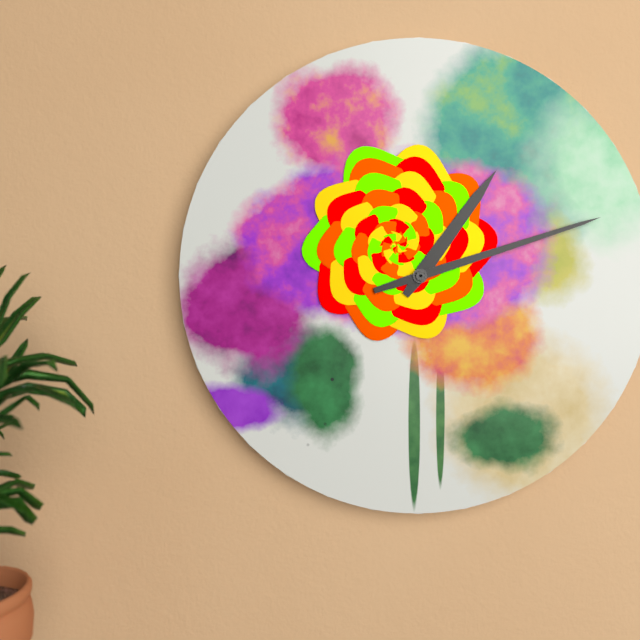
1:12
